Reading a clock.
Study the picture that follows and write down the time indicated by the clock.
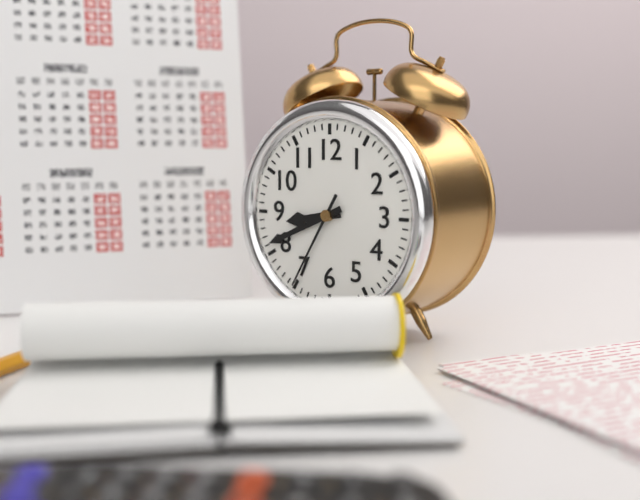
8:41:35
